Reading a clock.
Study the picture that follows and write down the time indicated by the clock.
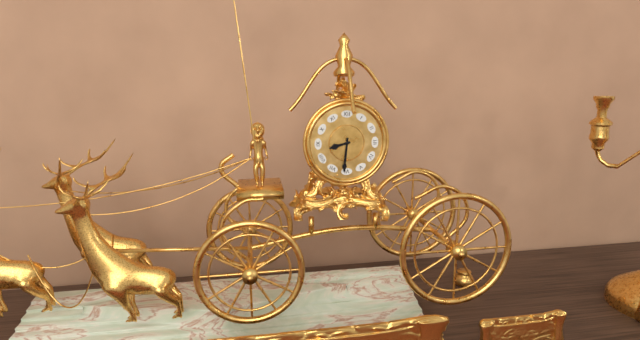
8:31
